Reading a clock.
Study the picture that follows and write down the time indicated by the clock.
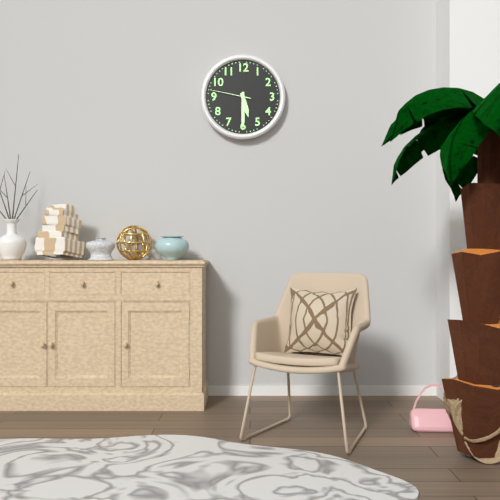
5:30
